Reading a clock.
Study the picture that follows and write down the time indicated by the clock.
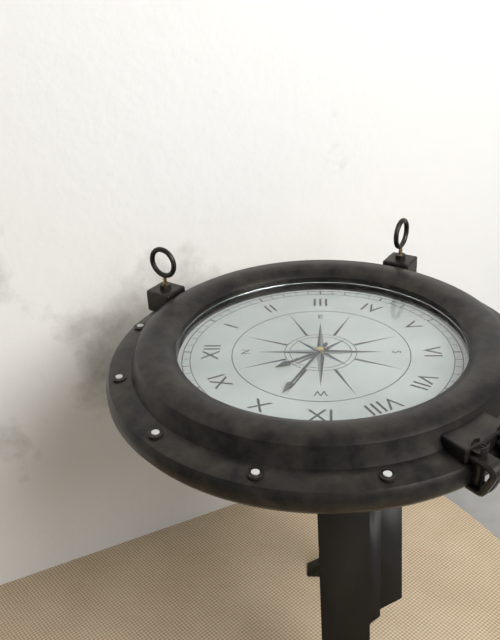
10:49
